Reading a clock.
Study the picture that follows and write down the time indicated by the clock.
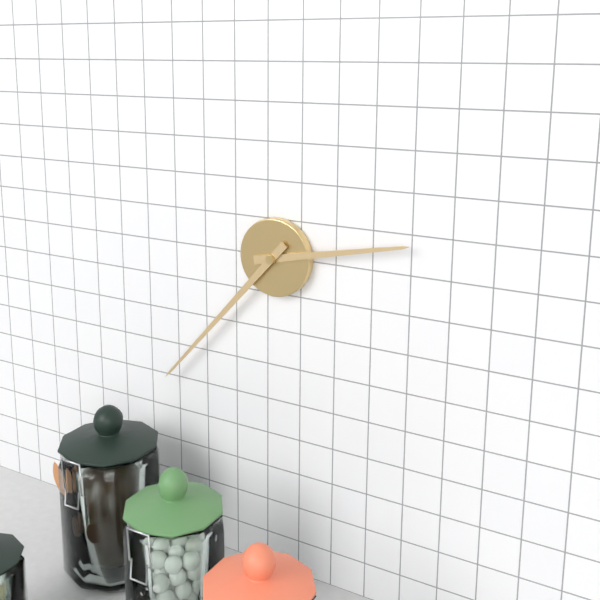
2:37
